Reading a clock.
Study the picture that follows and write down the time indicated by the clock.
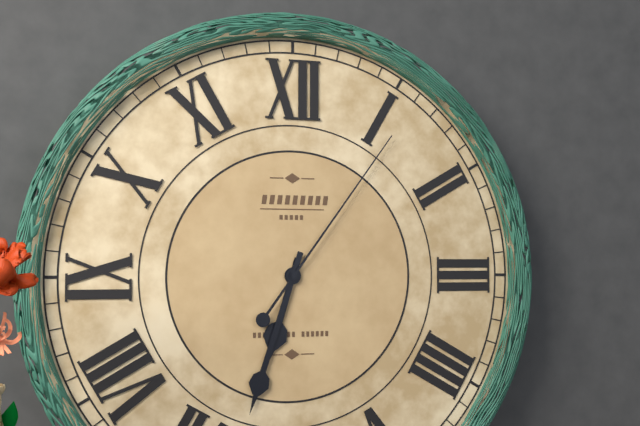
6:33:06
